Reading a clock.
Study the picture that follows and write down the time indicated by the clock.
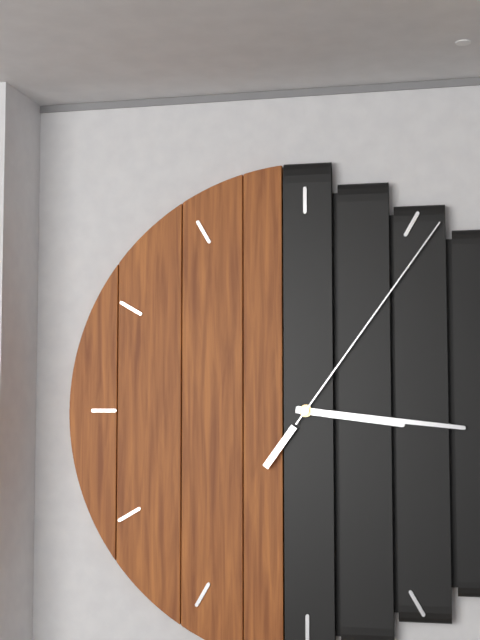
3:16:06
